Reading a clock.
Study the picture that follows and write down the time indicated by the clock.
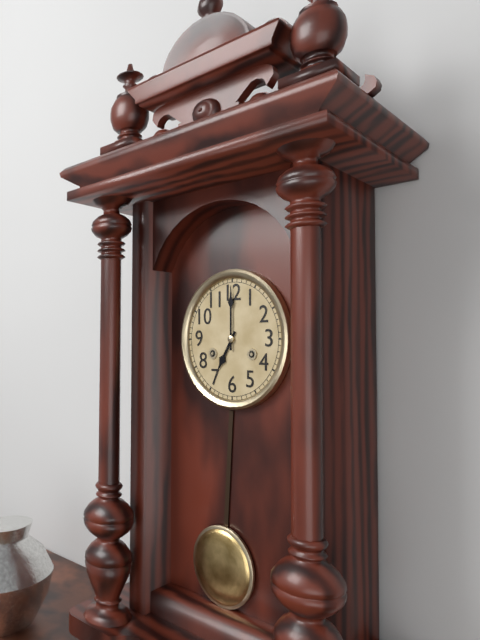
7:00
